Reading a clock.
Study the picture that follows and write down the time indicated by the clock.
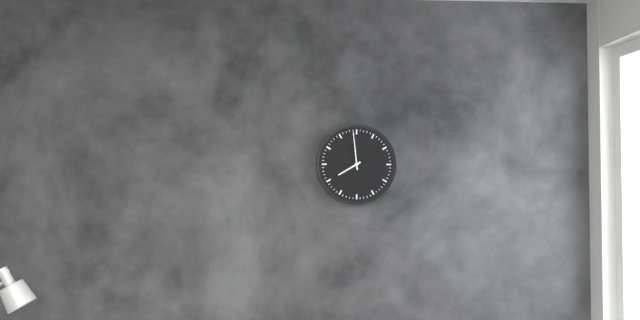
7:59
